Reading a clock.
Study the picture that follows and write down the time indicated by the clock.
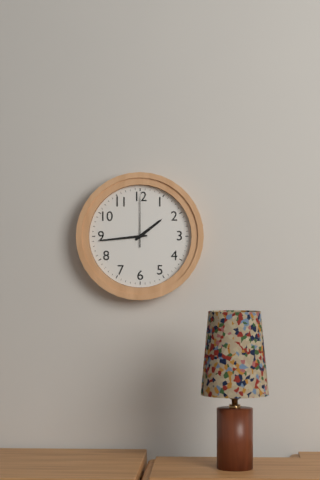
1:44:00
